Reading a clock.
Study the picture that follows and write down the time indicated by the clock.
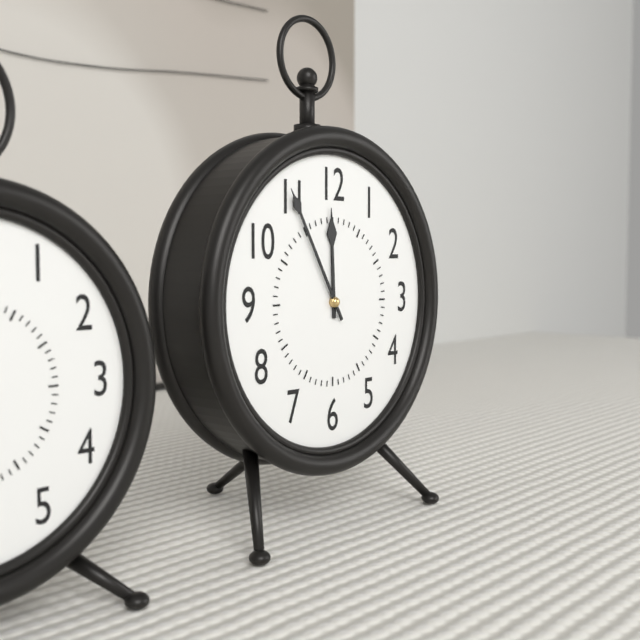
11:55
